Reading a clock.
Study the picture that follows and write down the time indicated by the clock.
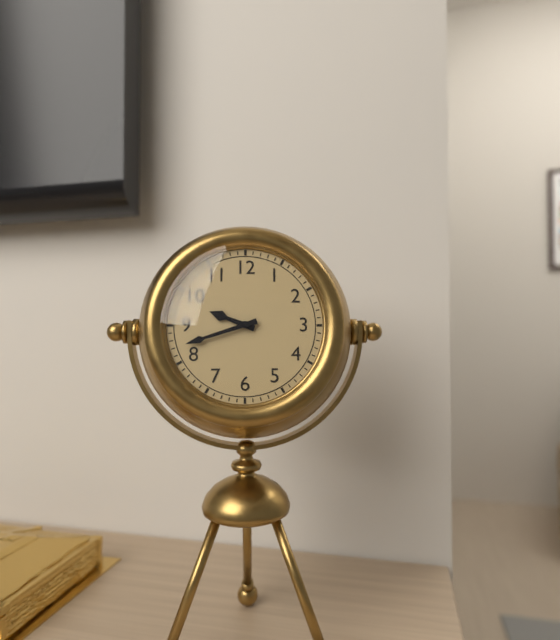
9:42
